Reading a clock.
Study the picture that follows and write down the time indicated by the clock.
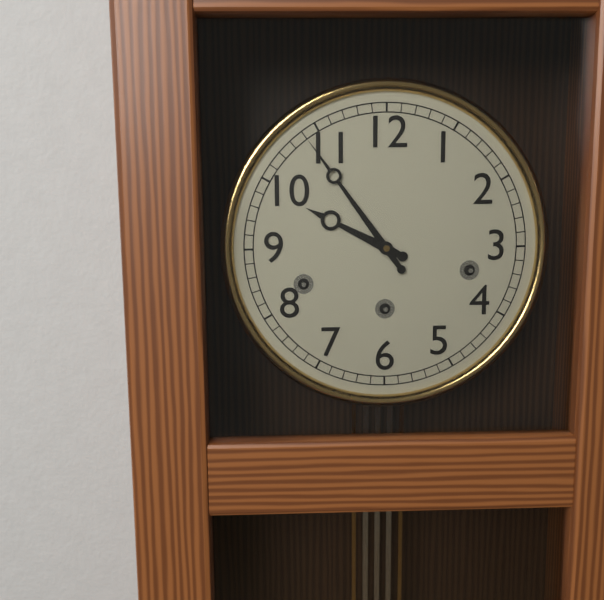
9:54
